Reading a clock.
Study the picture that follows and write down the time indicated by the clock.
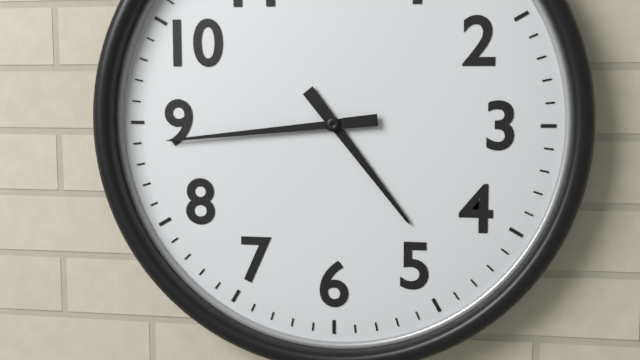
4:44
